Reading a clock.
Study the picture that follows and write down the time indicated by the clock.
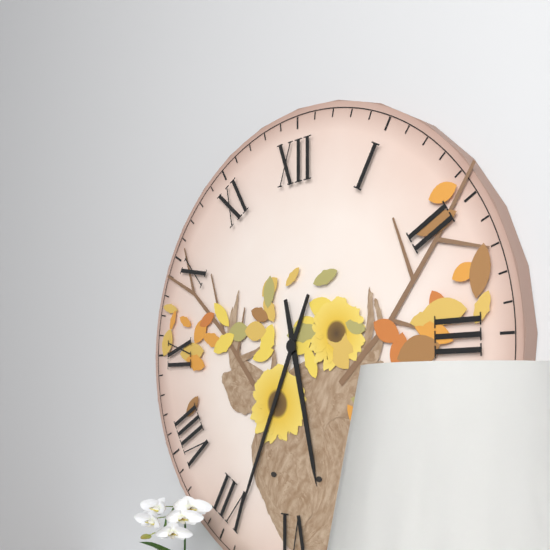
5:34
